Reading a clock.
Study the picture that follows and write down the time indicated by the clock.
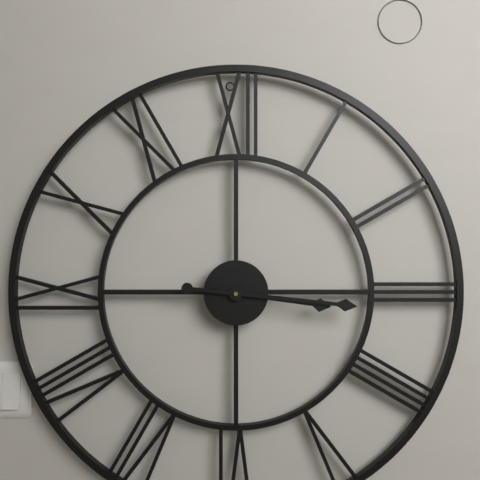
3:16
